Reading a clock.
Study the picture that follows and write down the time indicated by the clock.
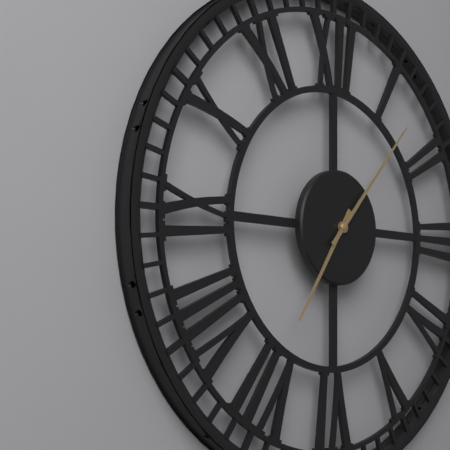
7:07
